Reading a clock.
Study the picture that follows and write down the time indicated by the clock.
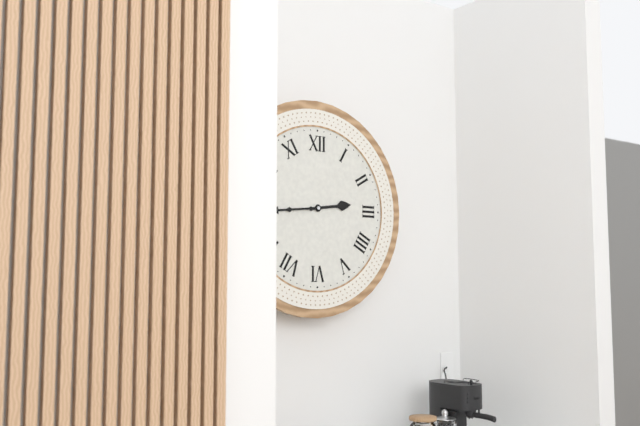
2:44
